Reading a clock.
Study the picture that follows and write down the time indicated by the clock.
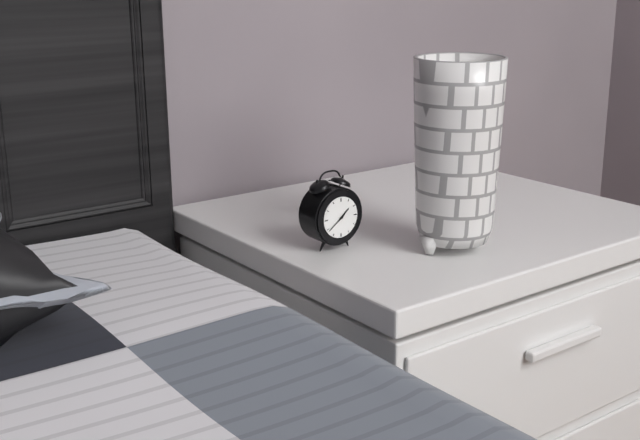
1:39
